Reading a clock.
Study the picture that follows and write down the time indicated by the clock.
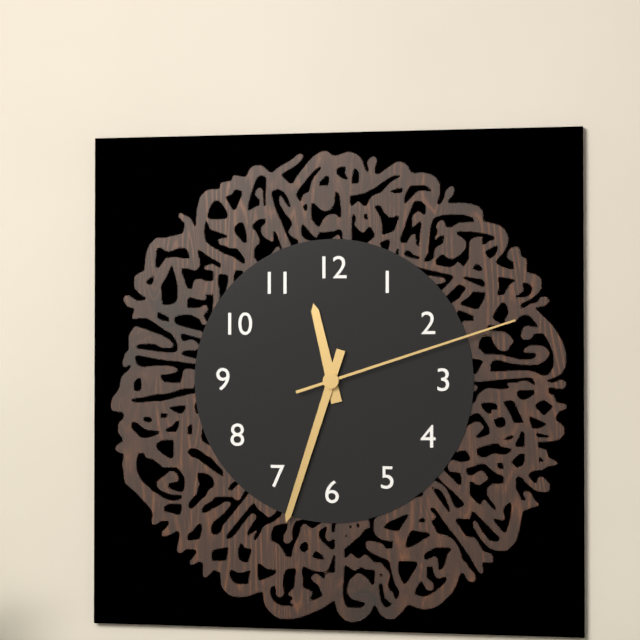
11:33:12
